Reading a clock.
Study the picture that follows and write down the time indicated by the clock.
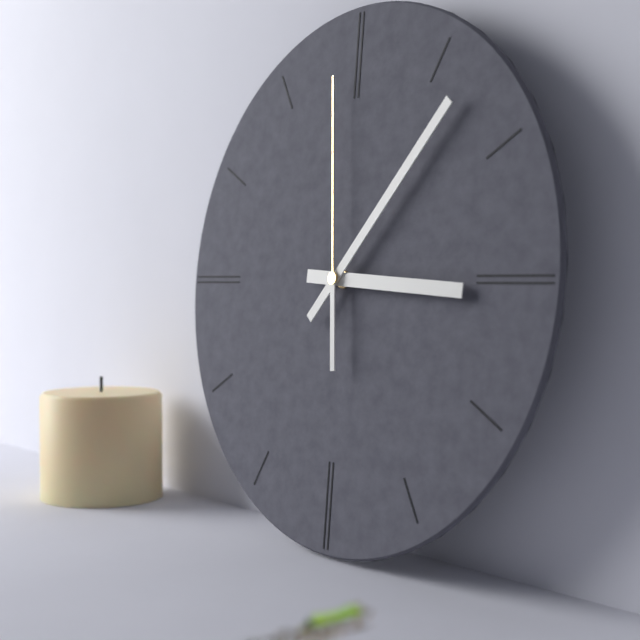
3:07:59
